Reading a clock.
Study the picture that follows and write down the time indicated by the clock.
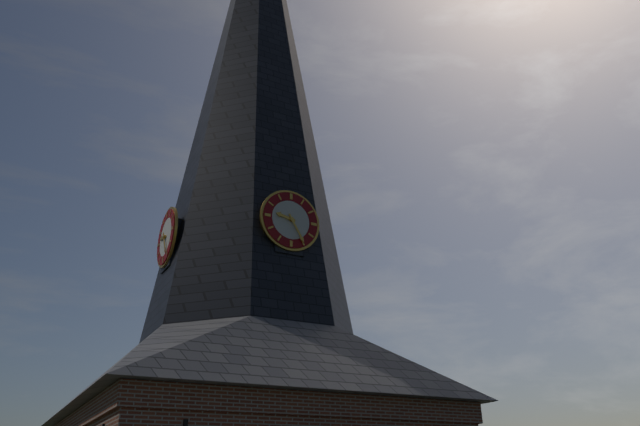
9:25
